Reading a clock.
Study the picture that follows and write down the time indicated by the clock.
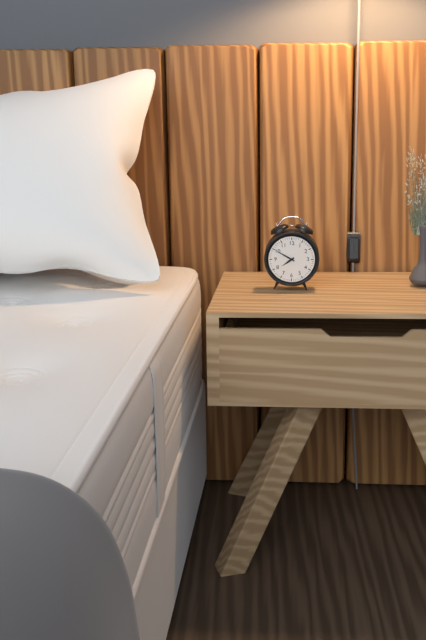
7:50
